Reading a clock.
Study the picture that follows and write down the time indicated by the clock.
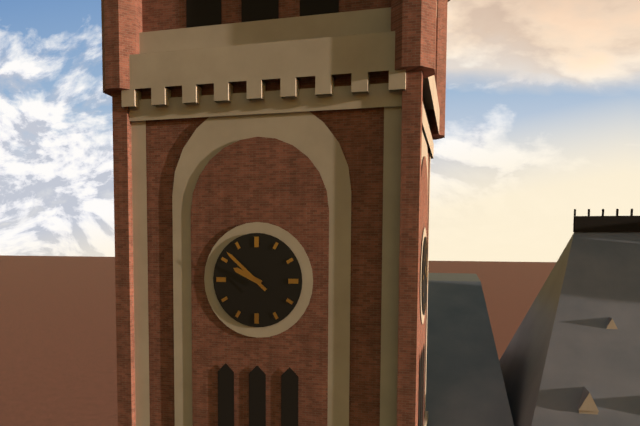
9:52
